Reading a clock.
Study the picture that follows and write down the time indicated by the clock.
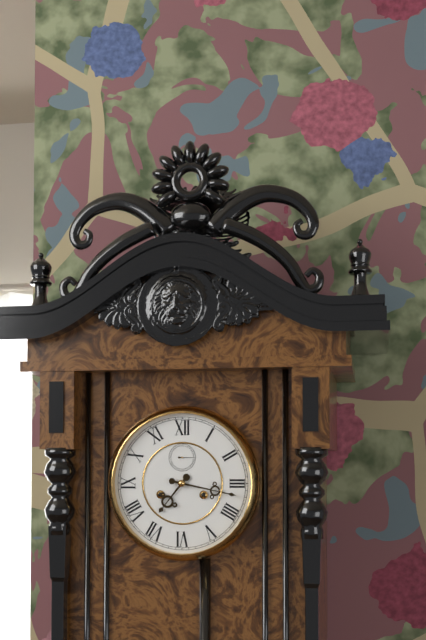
7:17
